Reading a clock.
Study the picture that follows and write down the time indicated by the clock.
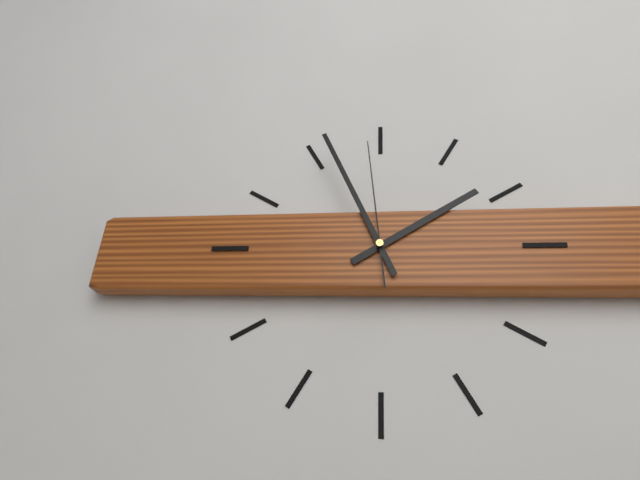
1:56:59
